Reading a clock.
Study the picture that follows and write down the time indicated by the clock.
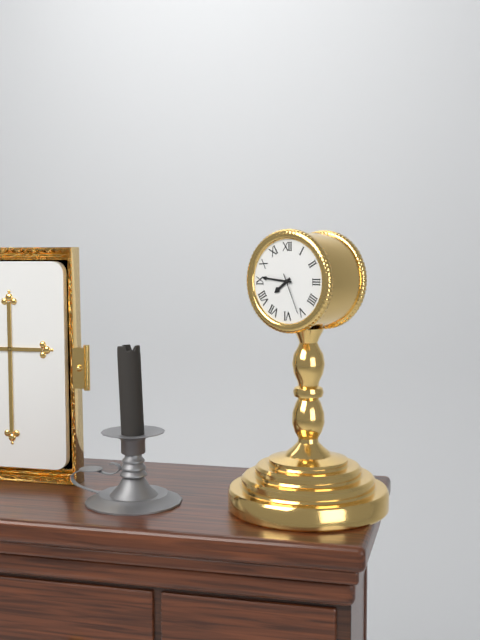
7:46
